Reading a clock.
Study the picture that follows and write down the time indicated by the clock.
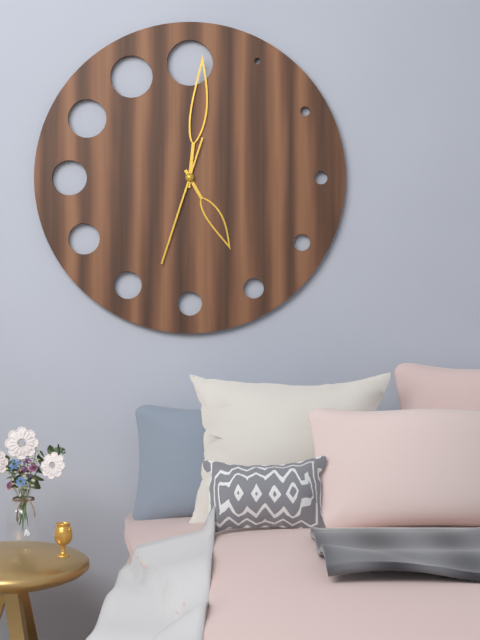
5:01:33
